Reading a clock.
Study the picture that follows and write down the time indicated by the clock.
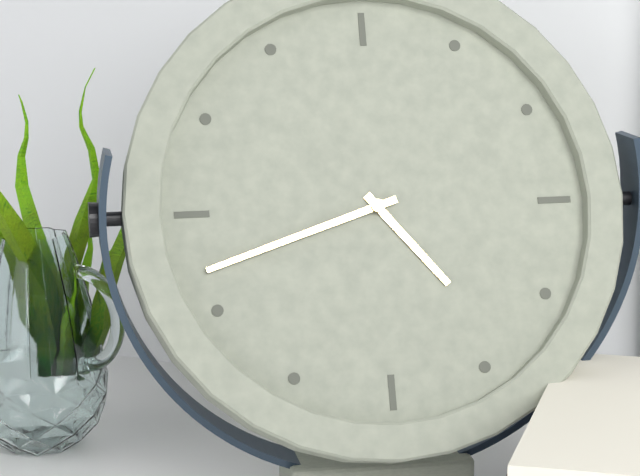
4:42
